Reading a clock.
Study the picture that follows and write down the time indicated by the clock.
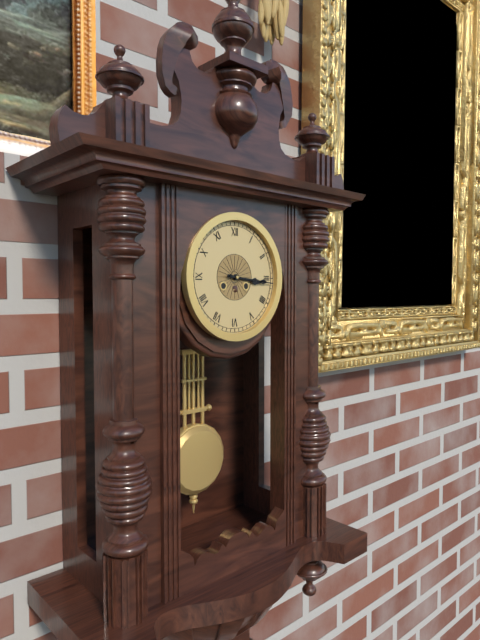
3:16
